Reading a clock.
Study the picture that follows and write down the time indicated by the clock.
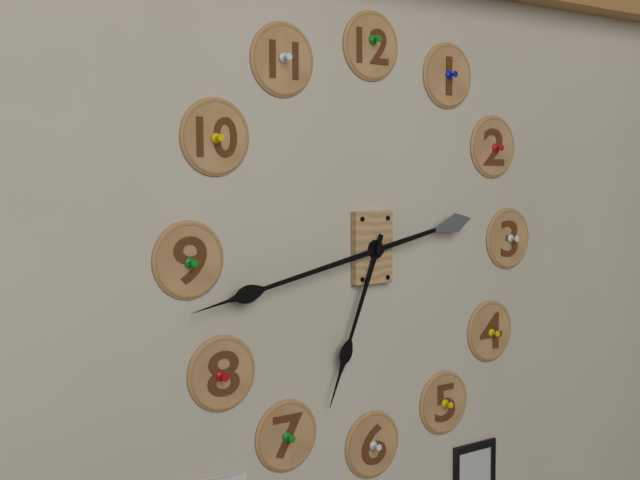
6:43
